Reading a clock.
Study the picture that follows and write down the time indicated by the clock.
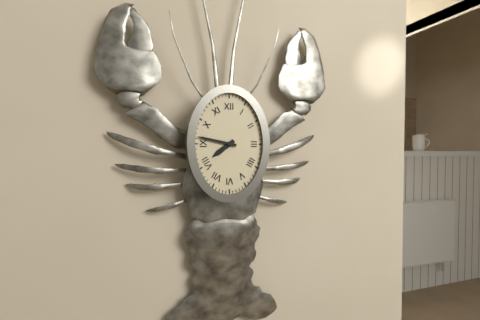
7:47
